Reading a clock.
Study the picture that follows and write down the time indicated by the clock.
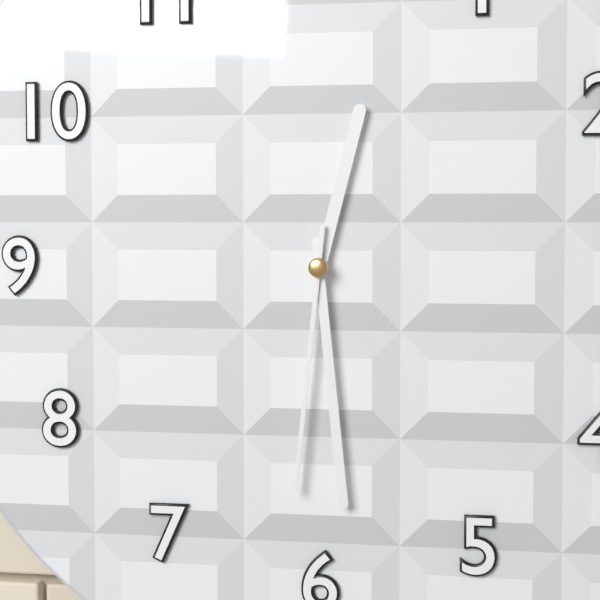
12:29:31
